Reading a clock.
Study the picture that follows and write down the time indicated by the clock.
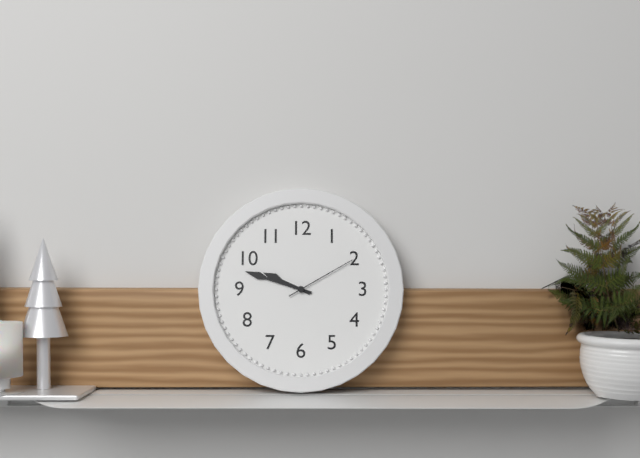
9:48:10
